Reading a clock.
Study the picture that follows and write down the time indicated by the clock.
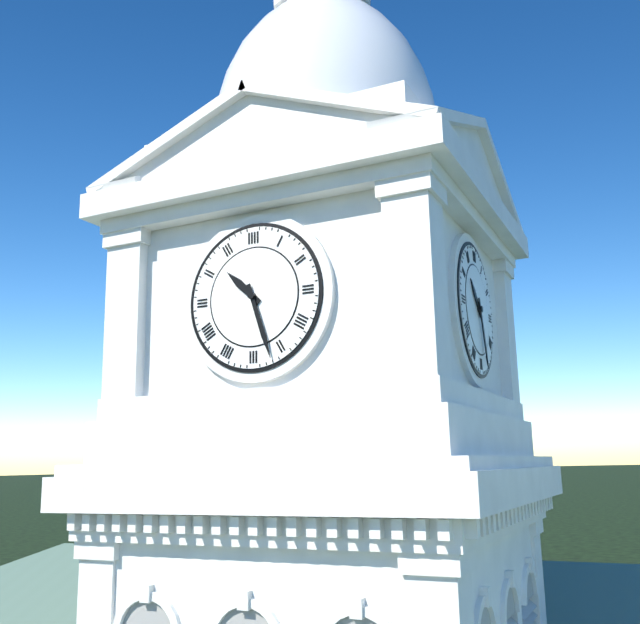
10:27
